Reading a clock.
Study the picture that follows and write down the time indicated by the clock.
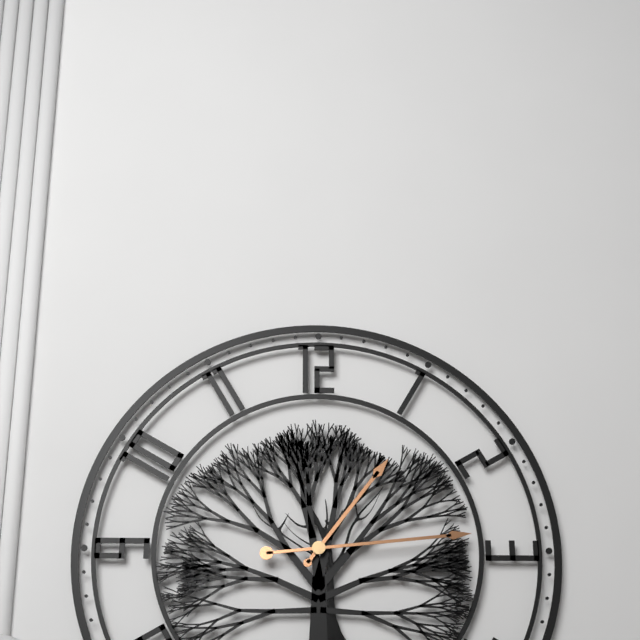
1:14
